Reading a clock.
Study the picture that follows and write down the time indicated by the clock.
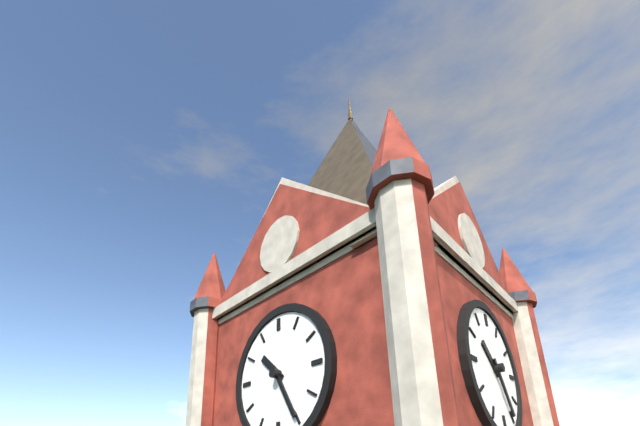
10:25
